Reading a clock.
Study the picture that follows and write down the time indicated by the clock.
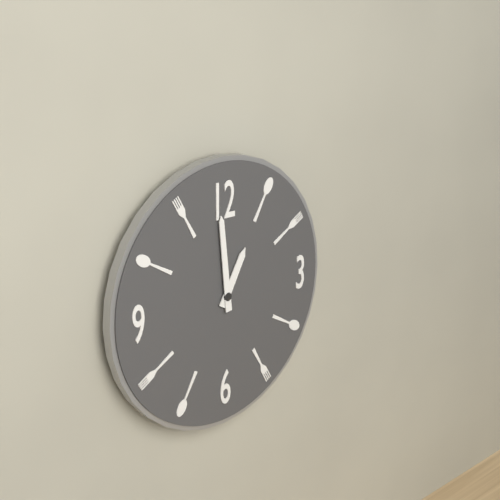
12:59
